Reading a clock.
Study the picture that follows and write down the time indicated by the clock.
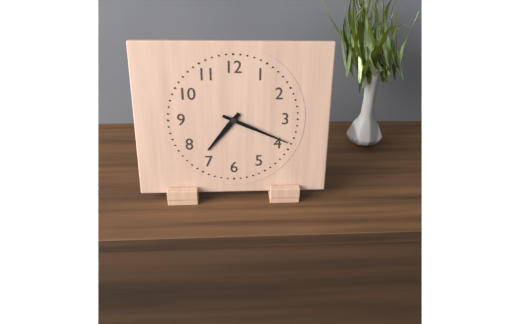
7:19
